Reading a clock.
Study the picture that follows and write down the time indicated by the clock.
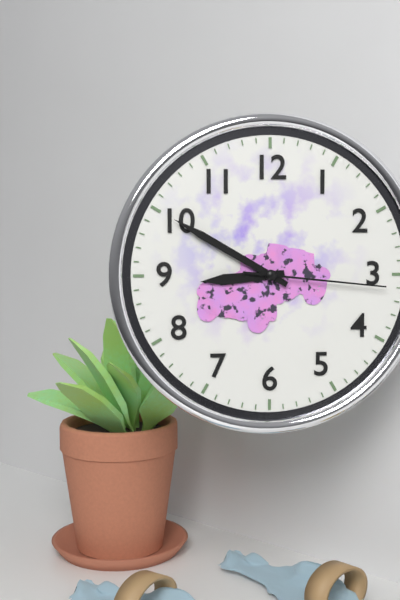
8:50:16
